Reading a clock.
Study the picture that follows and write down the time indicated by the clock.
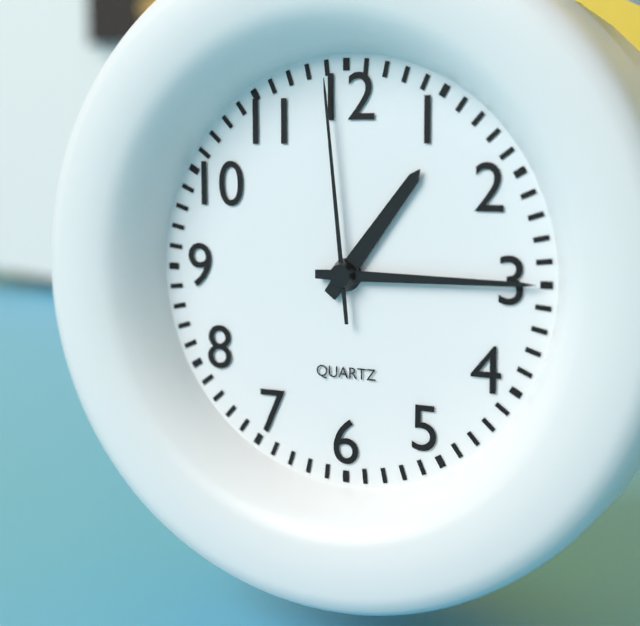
1:15:59
